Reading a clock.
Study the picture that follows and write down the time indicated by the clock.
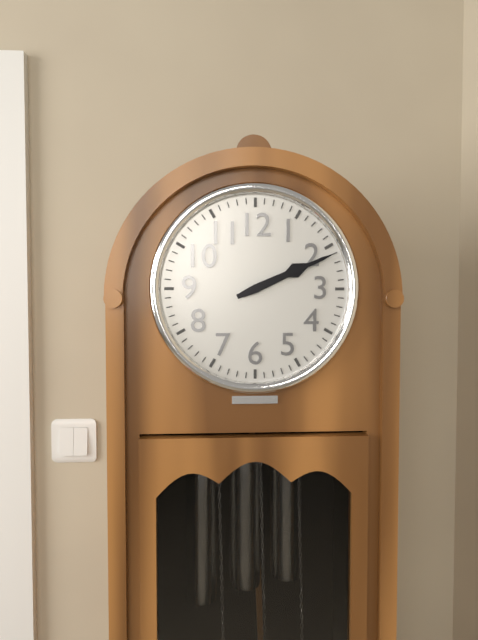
2:11
